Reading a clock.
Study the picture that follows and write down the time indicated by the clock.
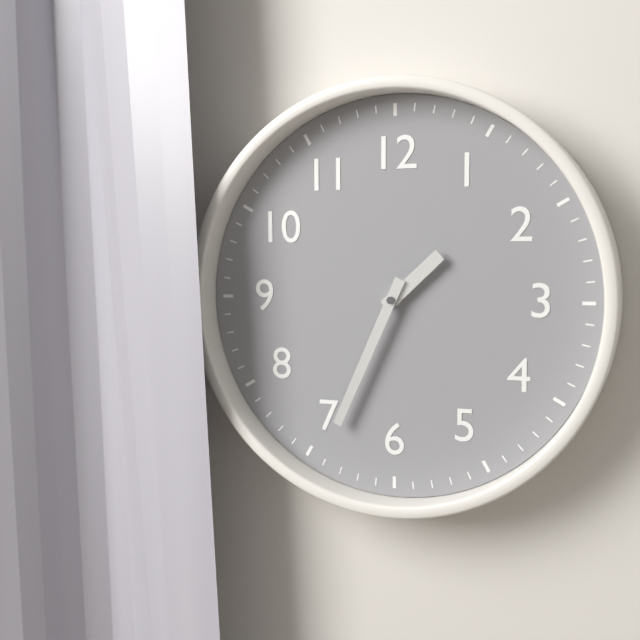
1:34
